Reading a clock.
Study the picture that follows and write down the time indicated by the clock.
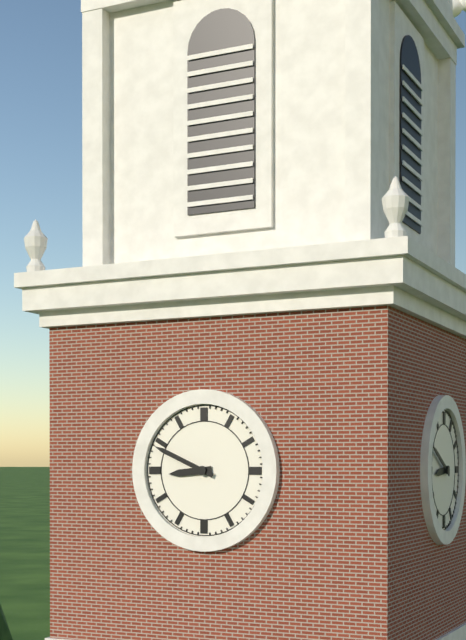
8:49
